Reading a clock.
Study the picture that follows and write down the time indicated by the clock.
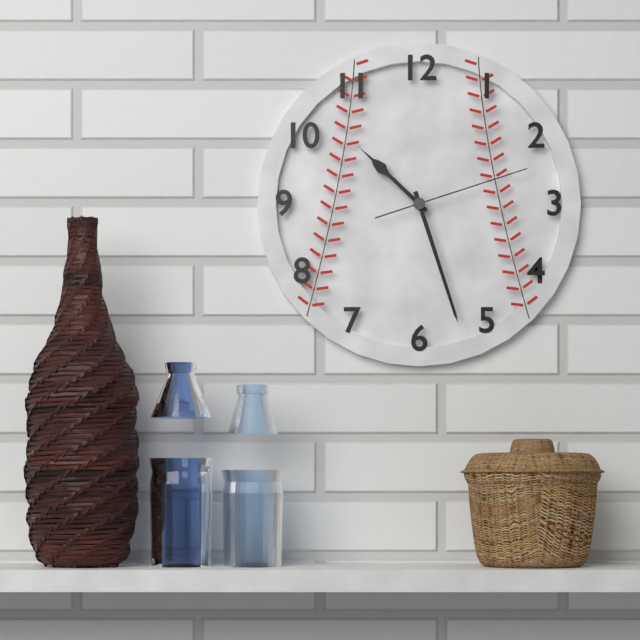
10:27:12
